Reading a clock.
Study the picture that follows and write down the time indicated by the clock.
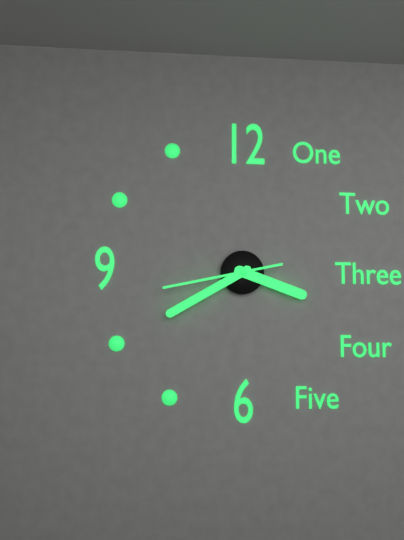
3:40:43
